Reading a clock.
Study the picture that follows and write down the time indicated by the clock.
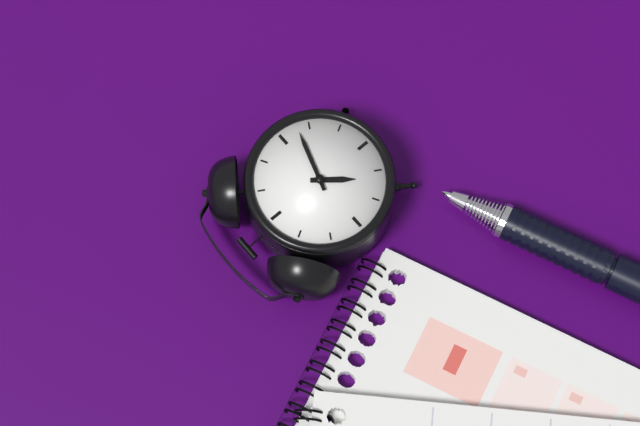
7:18
